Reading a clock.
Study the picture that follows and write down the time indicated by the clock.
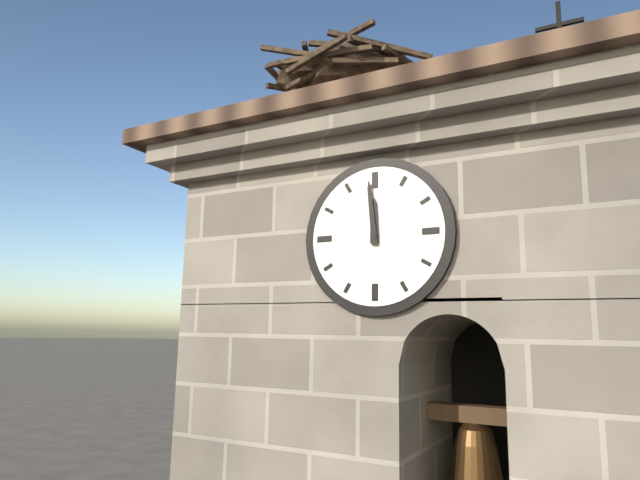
11:59
